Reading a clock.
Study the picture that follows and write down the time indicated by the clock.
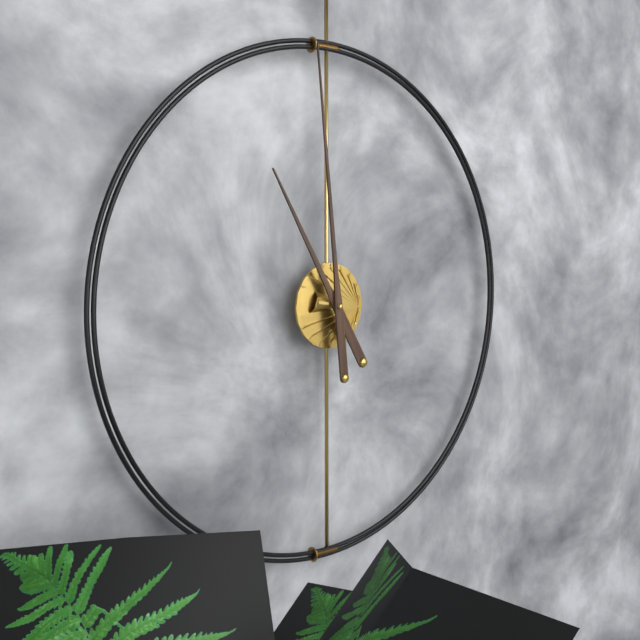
10:59
